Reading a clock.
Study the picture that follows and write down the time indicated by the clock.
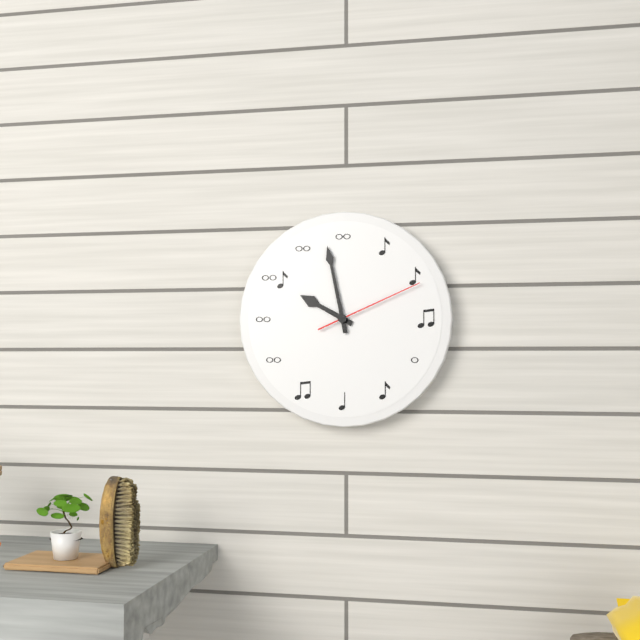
9:58:11
